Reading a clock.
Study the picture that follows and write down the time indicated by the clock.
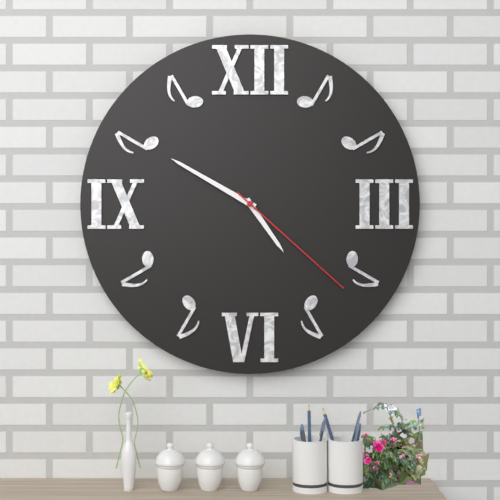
4:50:22
